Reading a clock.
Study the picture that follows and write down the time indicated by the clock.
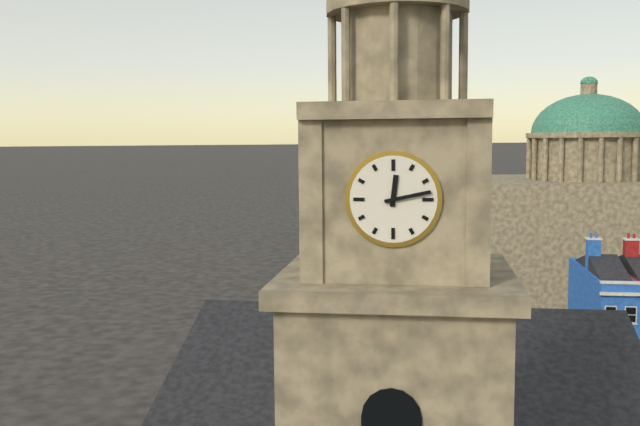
12:13
